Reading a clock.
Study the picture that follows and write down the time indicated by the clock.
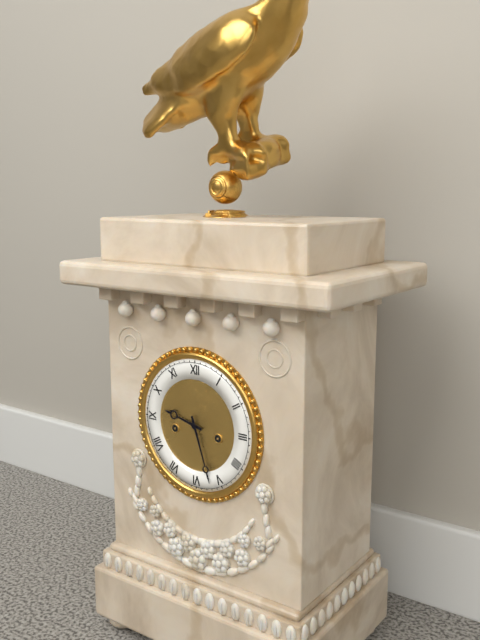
9:27
